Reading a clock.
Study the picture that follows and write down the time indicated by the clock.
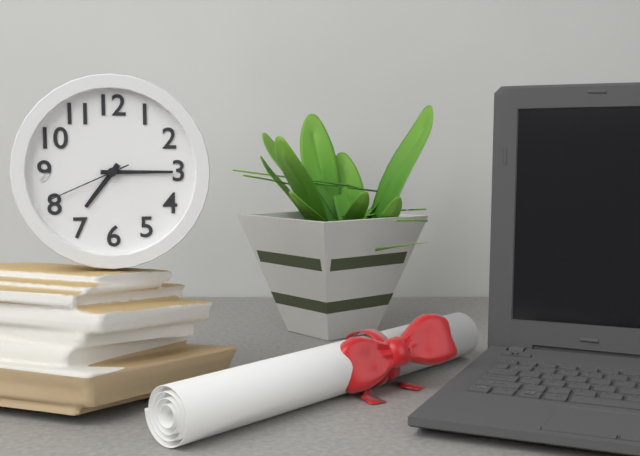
7:15:41
